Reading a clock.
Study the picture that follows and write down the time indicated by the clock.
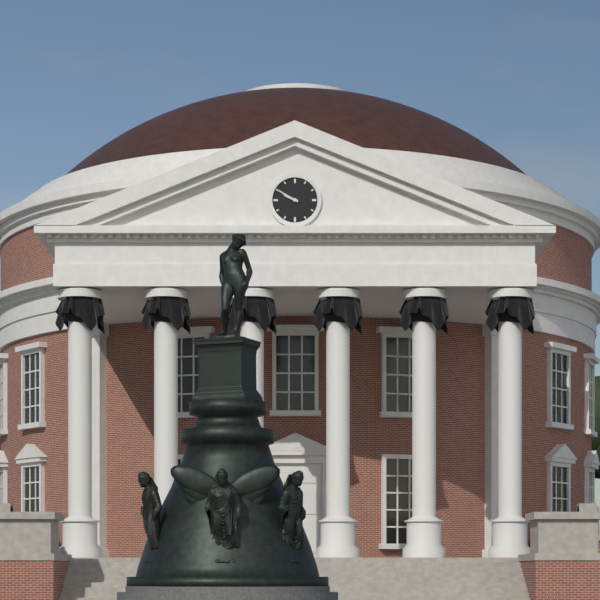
9:50
